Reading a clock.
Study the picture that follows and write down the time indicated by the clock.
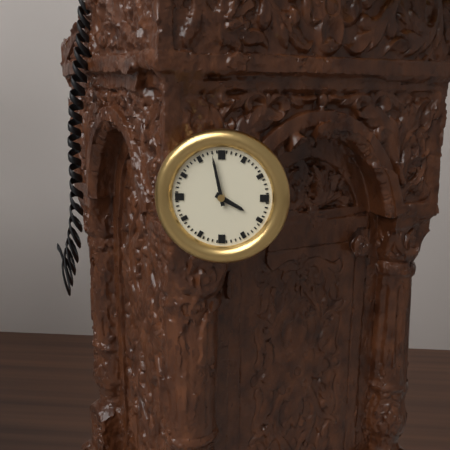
3:58
